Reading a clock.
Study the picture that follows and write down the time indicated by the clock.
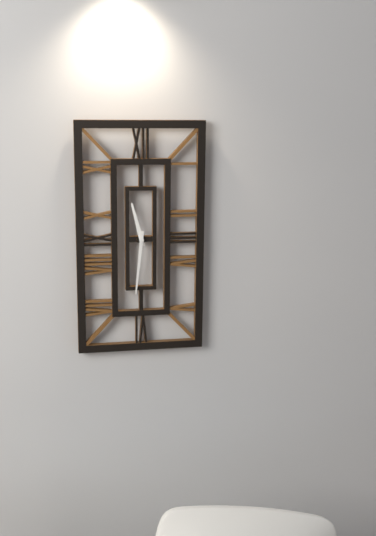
11:31
